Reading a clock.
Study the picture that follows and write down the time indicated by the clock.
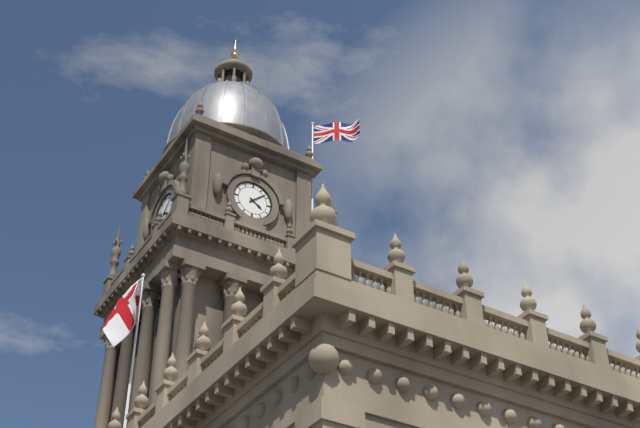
4:08
